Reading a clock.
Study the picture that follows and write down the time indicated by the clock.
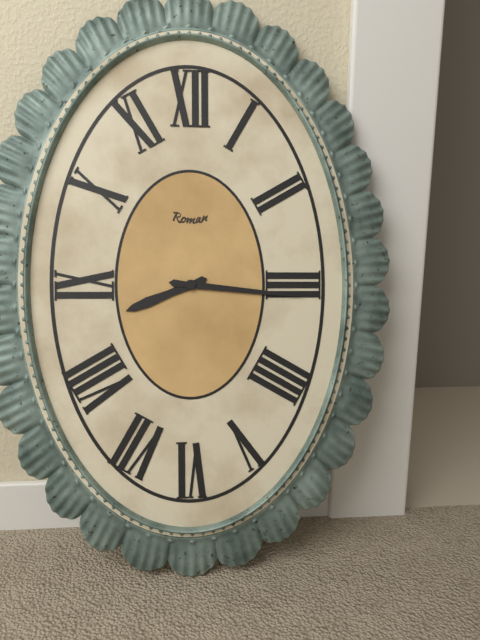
8:16
